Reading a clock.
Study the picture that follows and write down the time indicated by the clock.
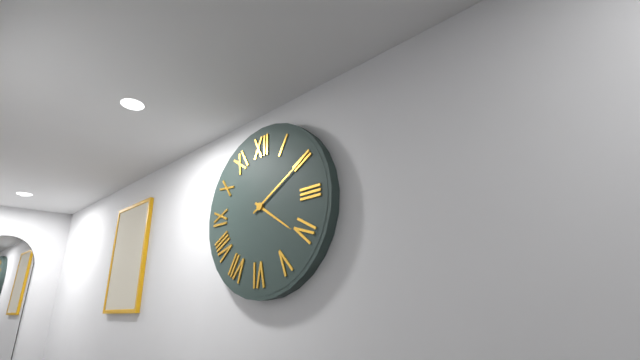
4:10
